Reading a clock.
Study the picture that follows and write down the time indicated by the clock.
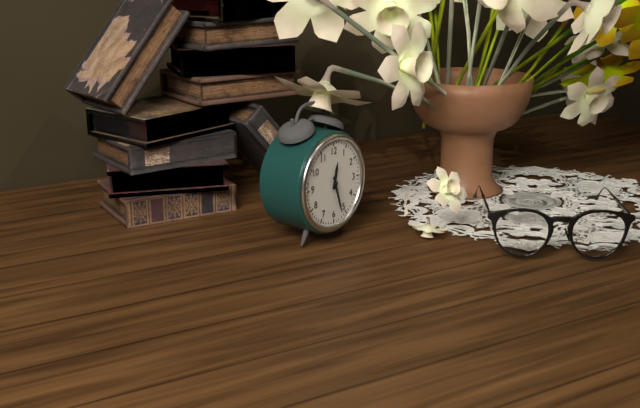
12:27
